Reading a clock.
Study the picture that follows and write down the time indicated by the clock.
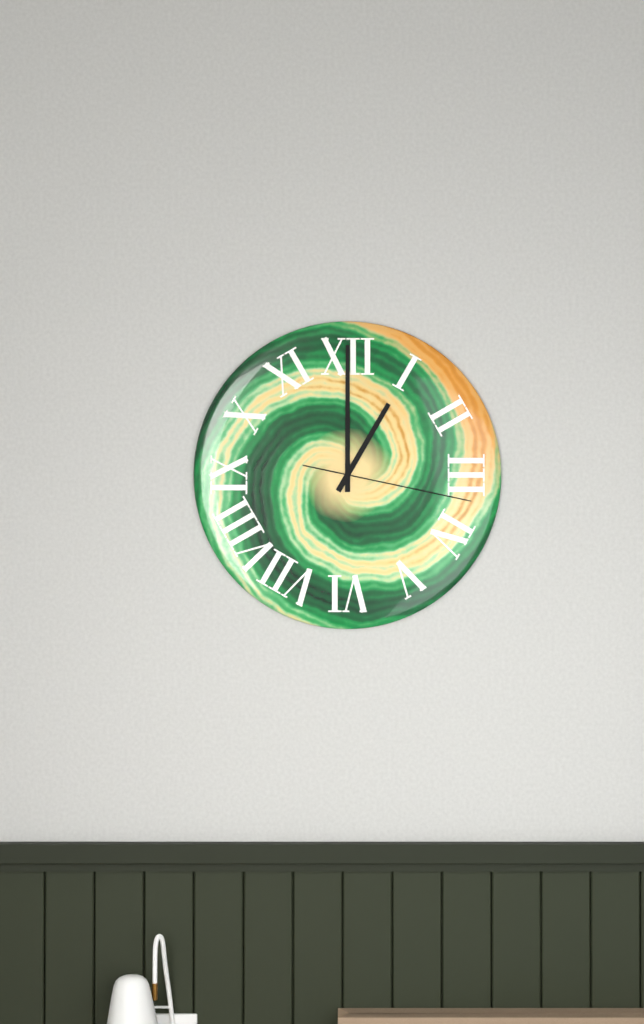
1:00:17
